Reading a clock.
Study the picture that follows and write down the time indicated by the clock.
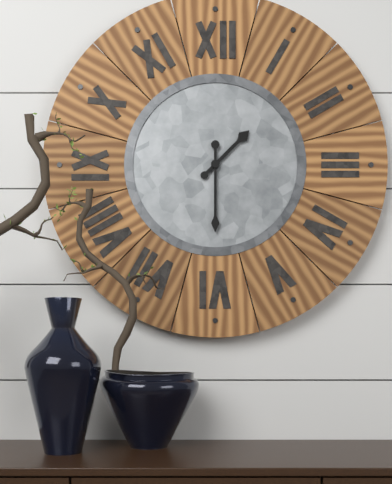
1:30
